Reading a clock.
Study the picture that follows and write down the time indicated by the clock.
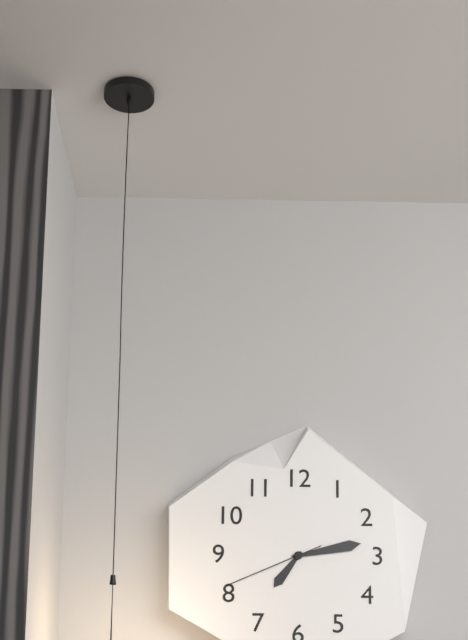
7:13:41
